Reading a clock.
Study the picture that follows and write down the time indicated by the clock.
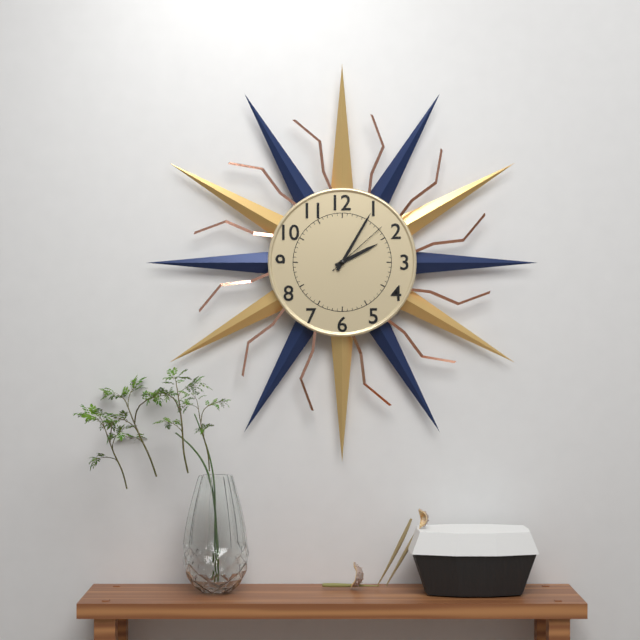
2:05:08
